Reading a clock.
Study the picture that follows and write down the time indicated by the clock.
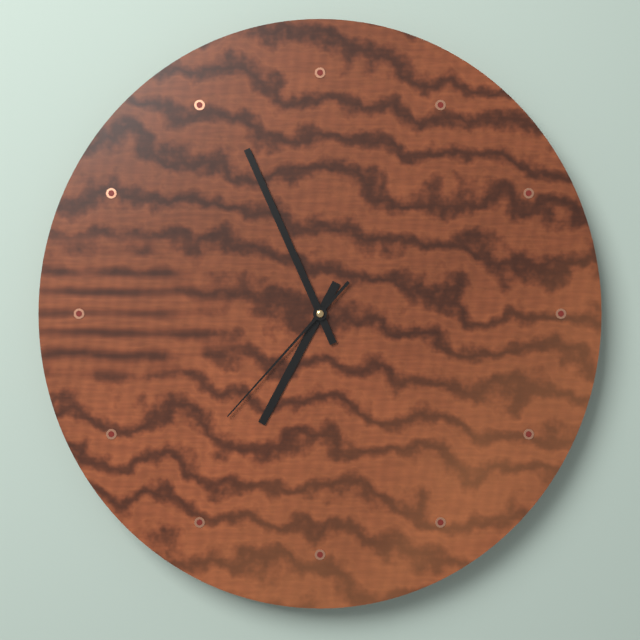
6:56:37
